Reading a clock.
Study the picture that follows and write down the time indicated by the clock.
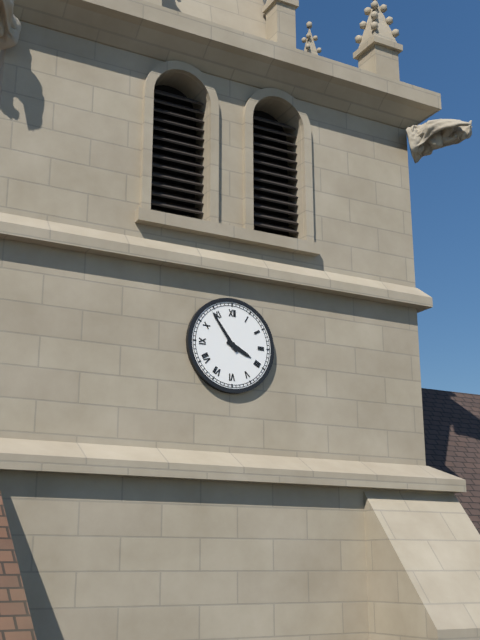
3:54
